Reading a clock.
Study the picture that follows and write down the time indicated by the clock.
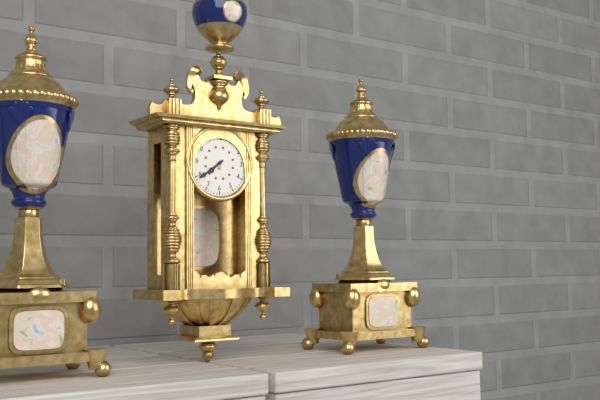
7:39
